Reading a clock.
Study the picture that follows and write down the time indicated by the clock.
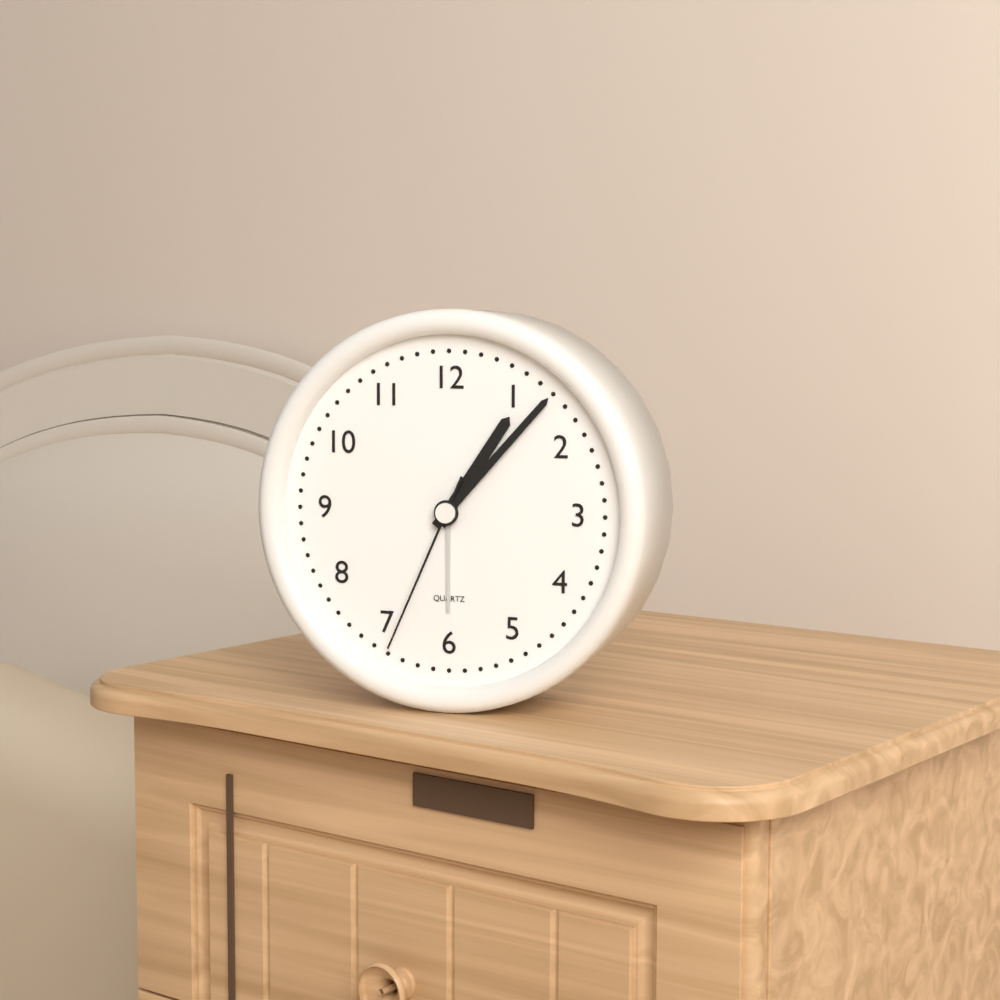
1:07:34
